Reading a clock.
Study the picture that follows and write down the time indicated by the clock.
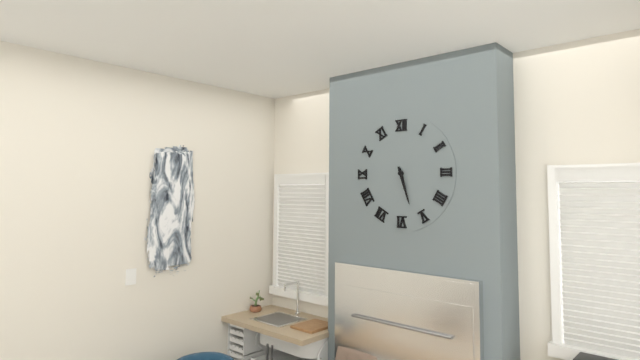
5:27
